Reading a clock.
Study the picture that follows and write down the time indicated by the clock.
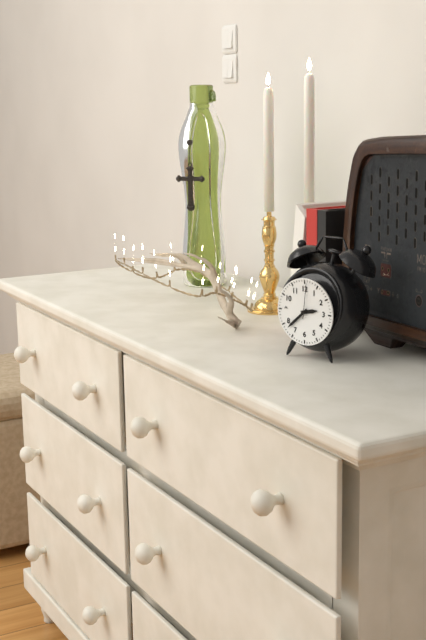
2:38
